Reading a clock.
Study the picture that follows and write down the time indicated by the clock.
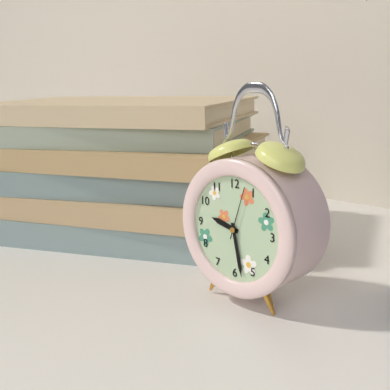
9:28:03
